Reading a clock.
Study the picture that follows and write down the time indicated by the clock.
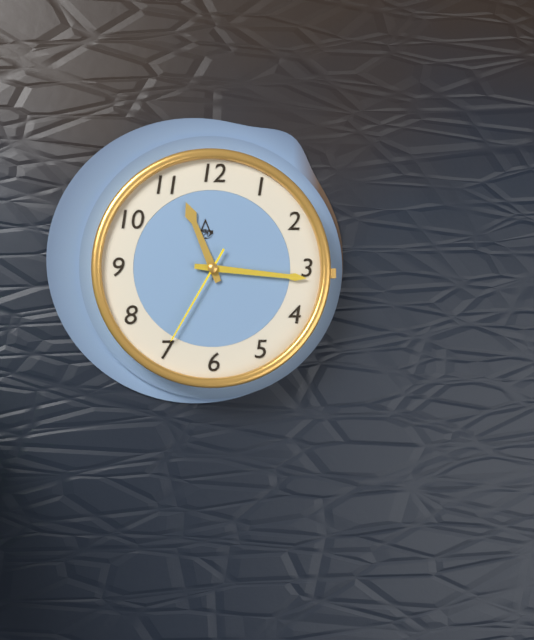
11:16:35
